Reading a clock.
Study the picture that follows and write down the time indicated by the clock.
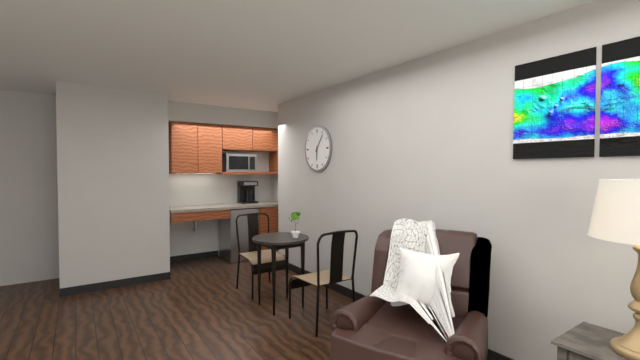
6:06
